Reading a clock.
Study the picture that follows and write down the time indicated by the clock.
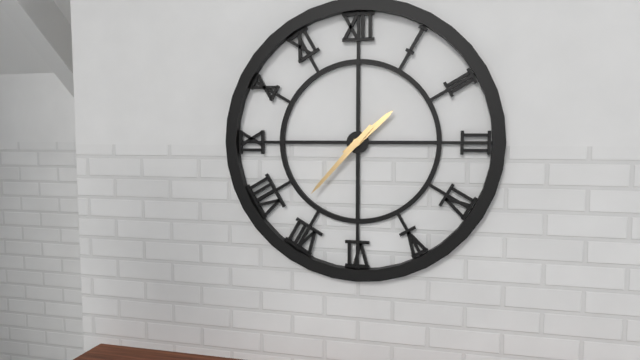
1:37
